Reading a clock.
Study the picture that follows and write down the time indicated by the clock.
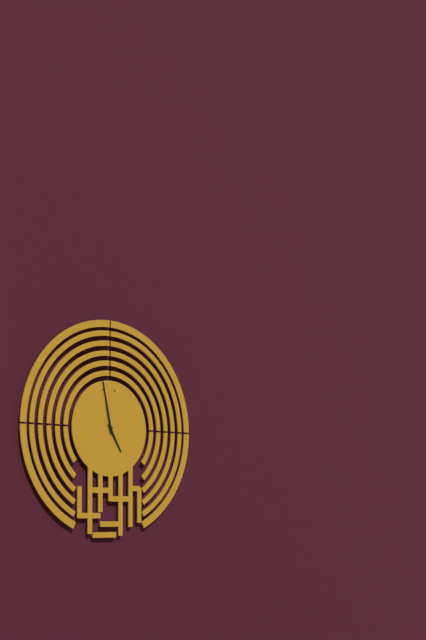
4:58
